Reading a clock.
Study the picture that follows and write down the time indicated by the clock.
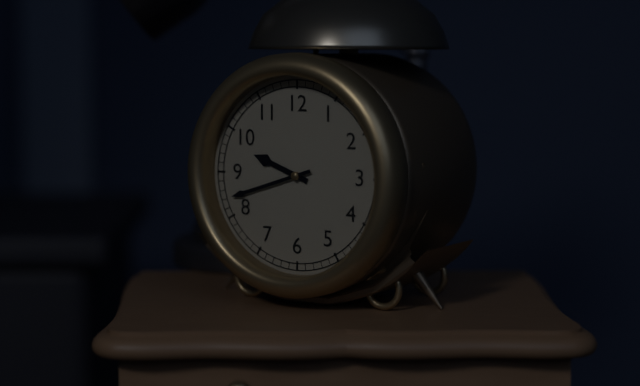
9:42
